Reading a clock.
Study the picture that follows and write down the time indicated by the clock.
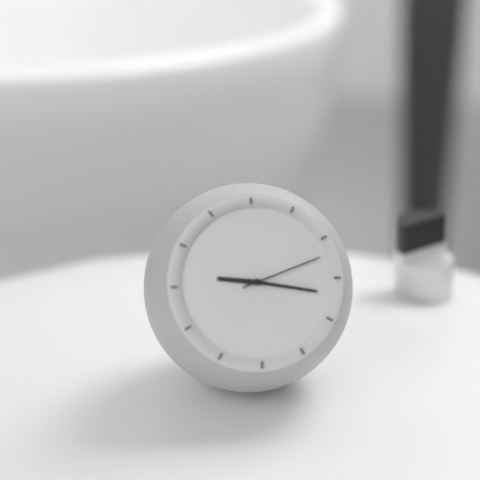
9:17:12
